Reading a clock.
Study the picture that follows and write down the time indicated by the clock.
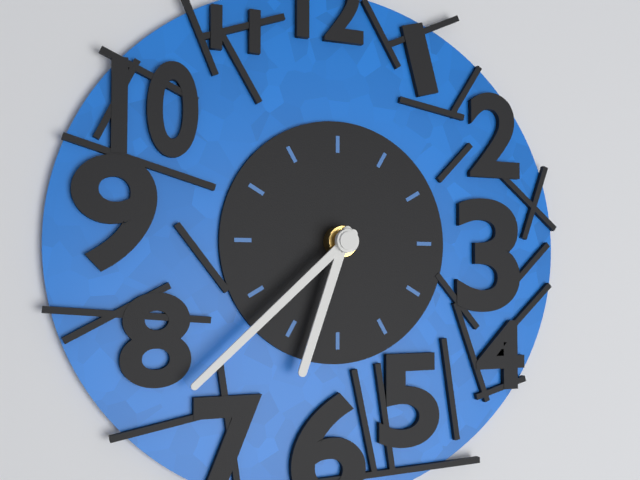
6:38
